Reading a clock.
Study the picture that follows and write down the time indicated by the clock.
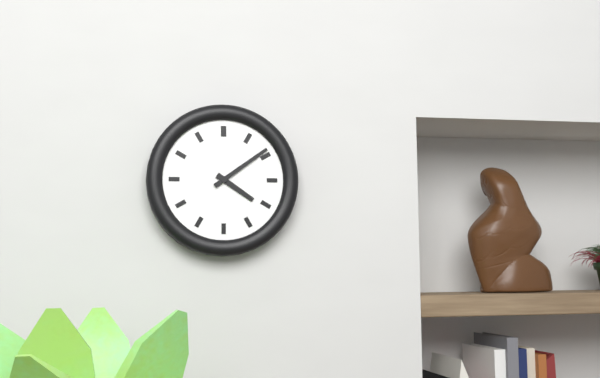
4:09
